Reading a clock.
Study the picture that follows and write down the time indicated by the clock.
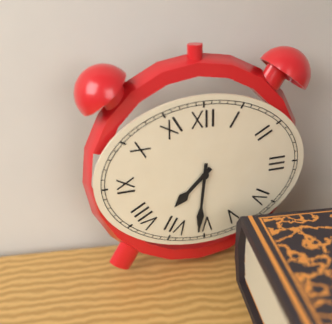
7:31
